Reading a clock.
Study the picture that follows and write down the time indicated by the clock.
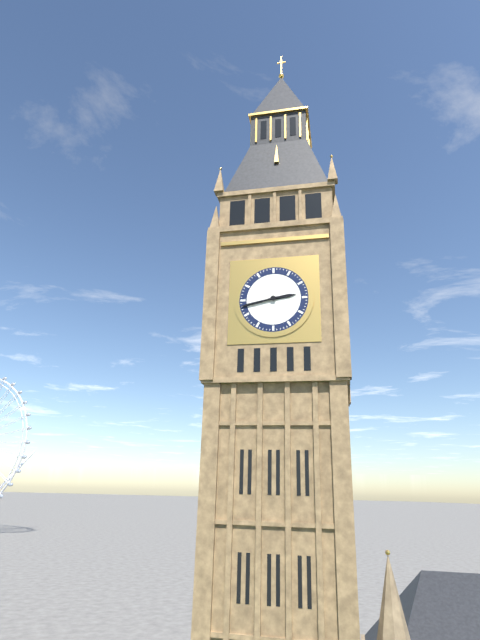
2:43
